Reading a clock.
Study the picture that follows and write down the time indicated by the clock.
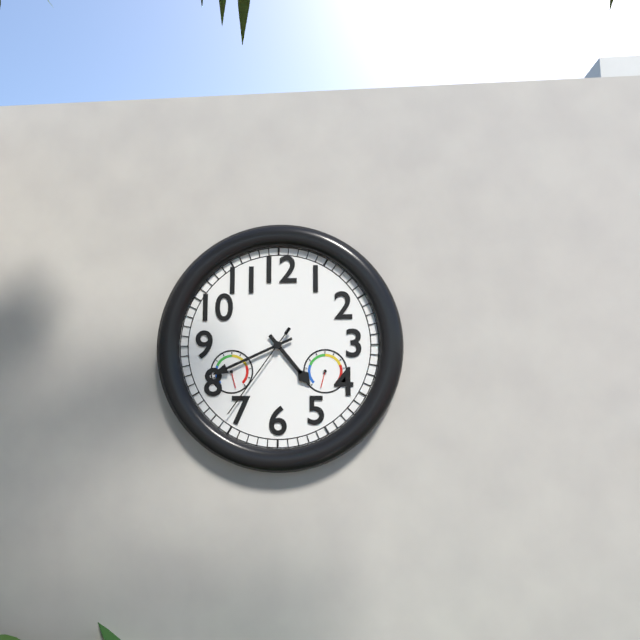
4:41:36
